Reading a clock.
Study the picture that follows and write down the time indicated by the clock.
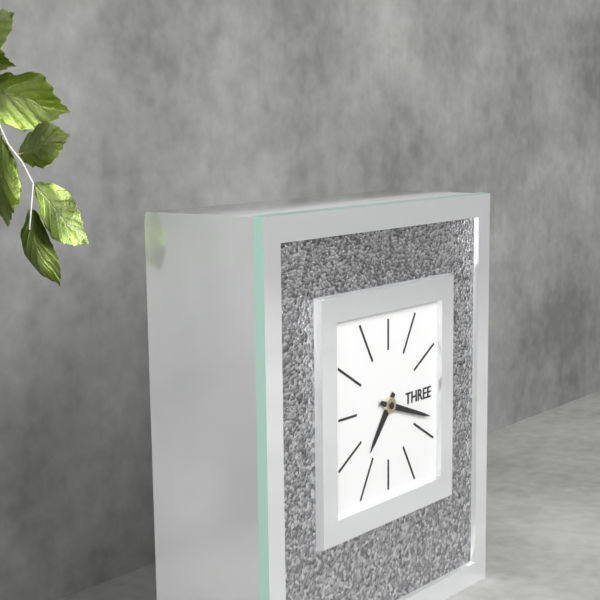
7:18
